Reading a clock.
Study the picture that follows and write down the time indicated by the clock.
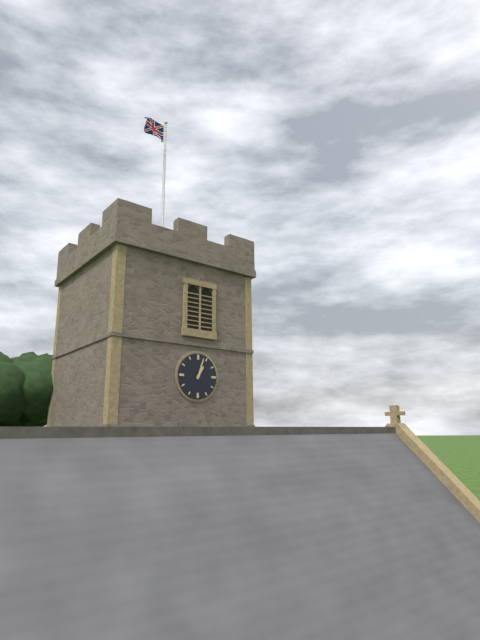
1:03
